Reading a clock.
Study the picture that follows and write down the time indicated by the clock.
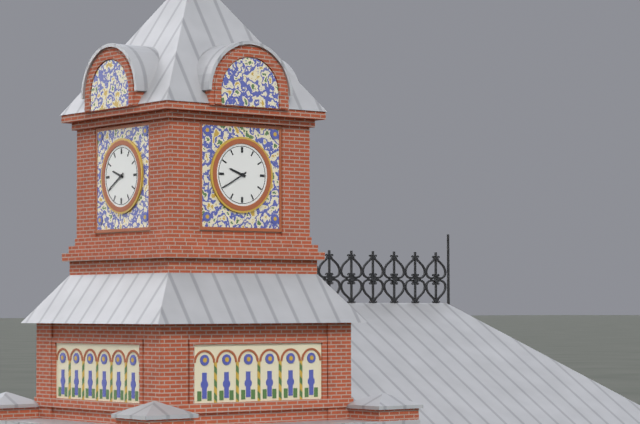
9:40
